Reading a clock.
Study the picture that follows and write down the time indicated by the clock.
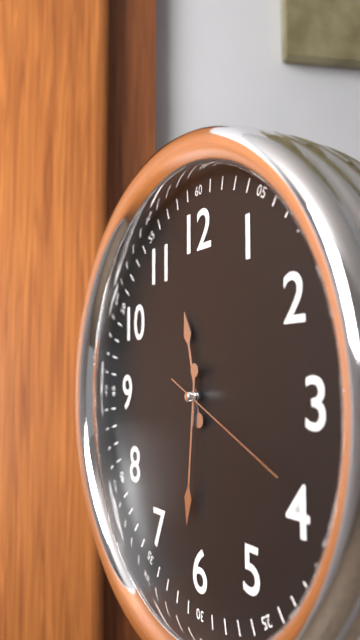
11:31:19
